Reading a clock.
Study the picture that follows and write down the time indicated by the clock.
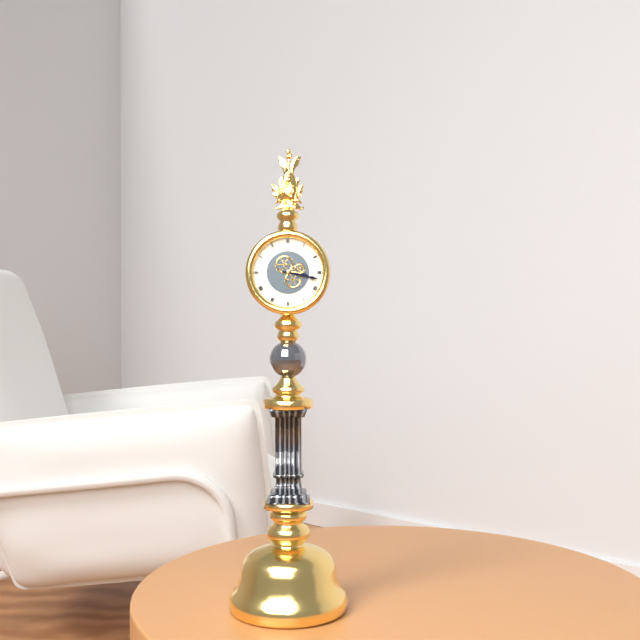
3:17
